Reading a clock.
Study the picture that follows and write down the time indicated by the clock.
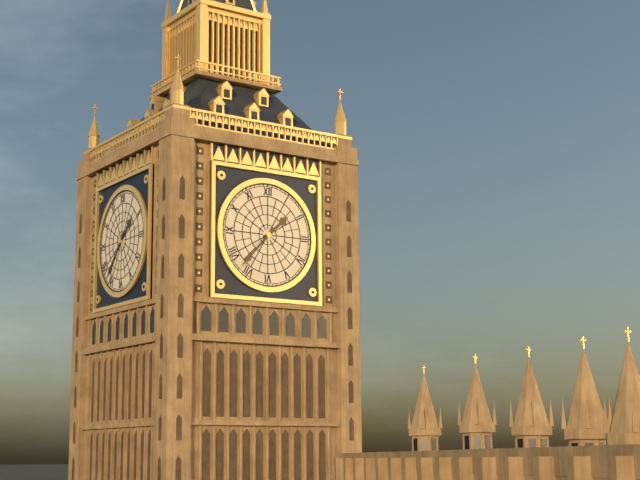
1:37
